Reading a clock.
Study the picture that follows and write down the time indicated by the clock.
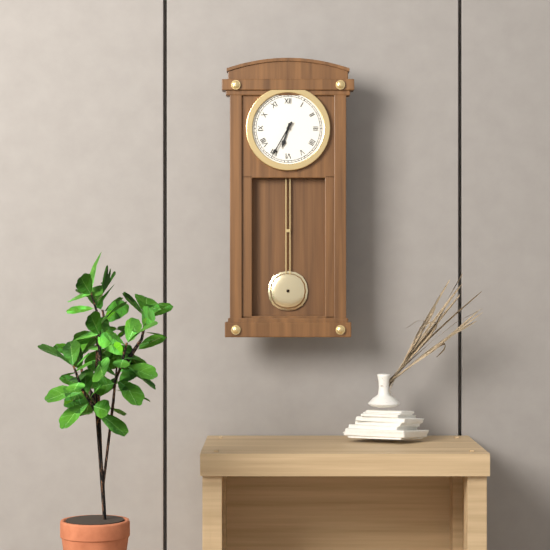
6:35
